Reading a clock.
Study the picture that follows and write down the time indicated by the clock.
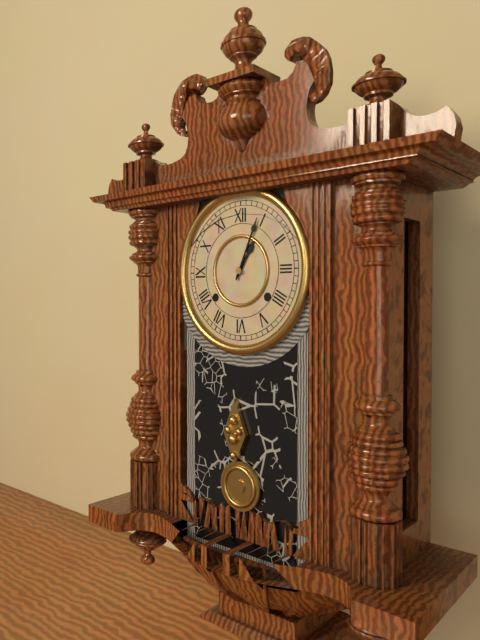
1:04
